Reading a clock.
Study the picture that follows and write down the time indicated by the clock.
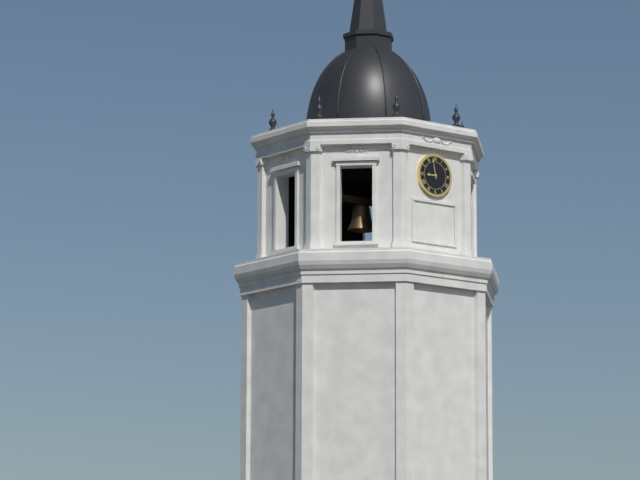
8:58
